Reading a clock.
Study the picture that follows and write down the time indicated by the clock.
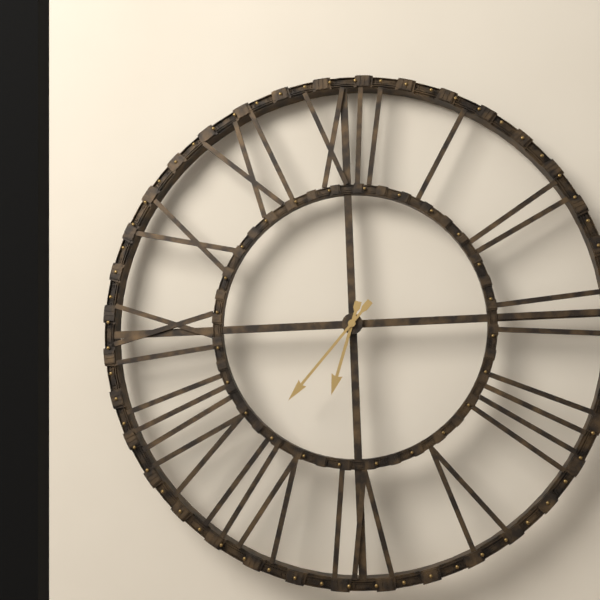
6:37
